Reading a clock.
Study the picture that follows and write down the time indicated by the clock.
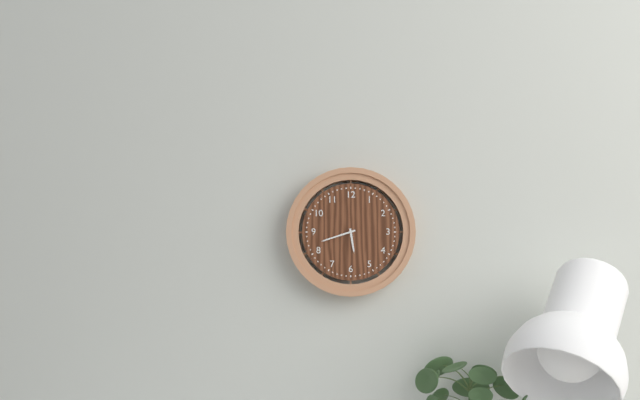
5:42
